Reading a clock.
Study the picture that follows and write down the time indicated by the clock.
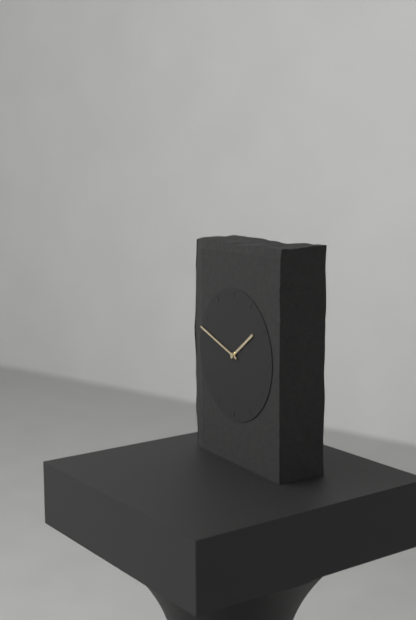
1:48
